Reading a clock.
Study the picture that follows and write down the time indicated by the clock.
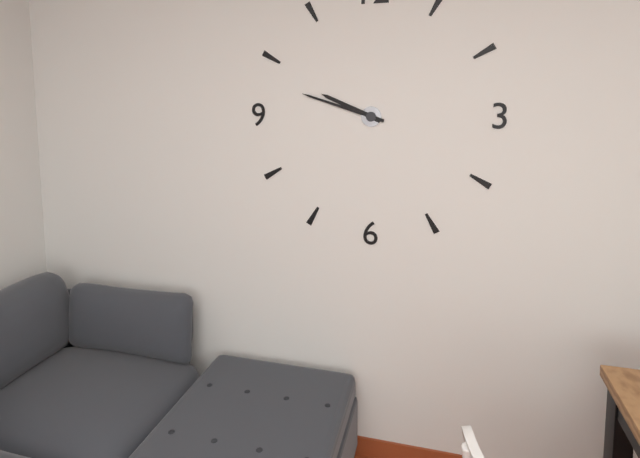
9:48
